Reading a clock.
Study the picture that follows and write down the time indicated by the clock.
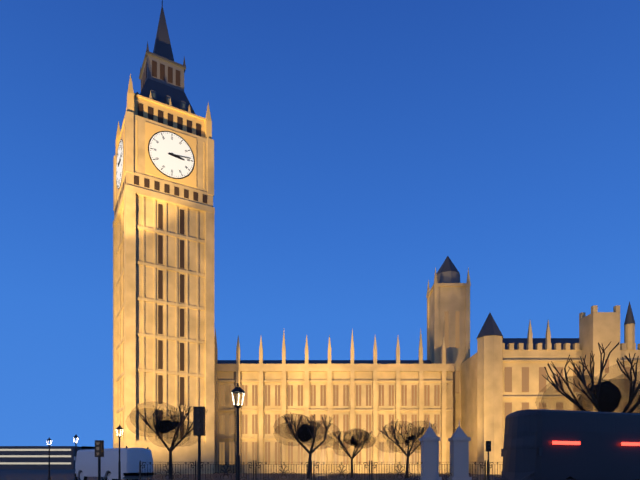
3:14
